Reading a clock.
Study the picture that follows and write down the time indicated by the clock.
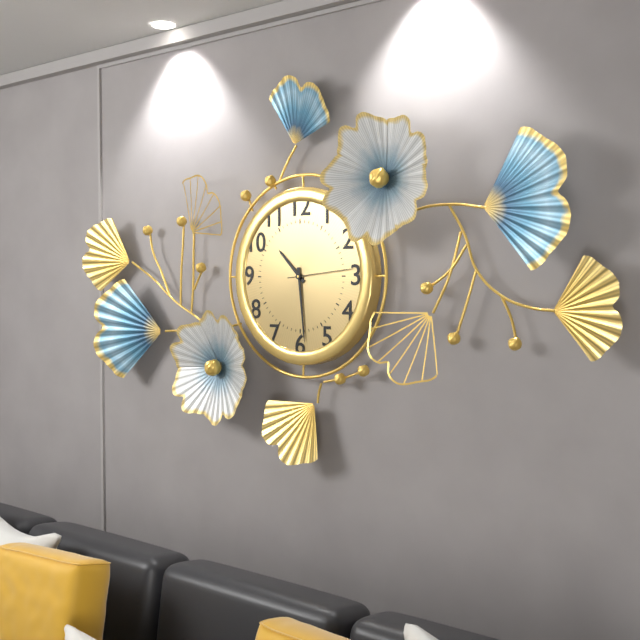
10:29:14
